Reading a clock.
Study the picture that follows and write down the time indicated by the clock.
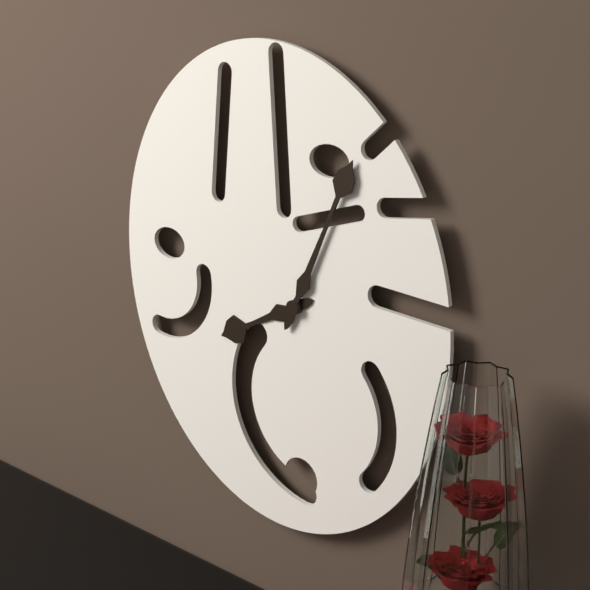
8:04
